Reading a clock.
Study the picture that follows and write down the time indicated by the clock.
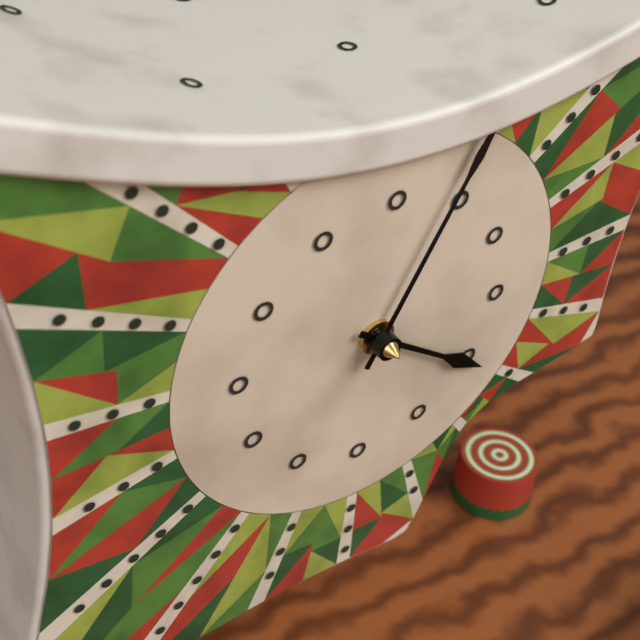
4:04
